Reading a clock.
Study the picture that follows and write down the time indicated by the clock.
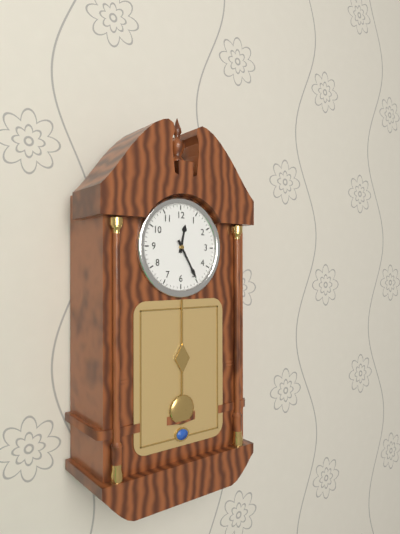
12:25
